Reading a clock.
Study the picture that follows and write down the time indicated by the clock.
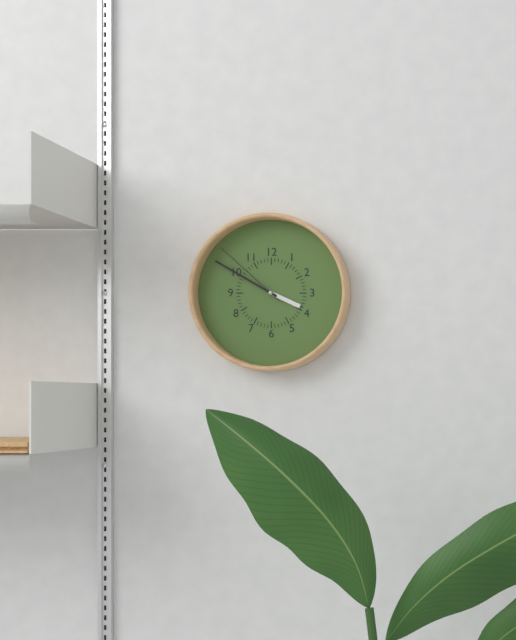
3:50:52
